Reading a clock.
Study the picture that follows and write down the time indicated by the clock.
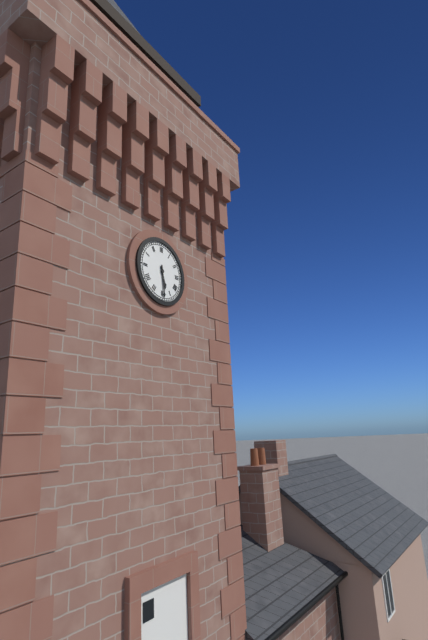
5:29
